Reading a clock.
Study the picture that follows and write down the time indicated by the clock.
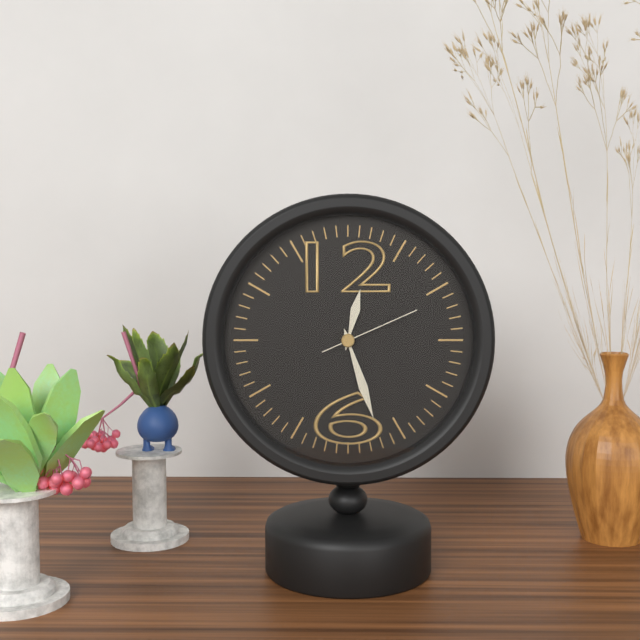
12:27:11
